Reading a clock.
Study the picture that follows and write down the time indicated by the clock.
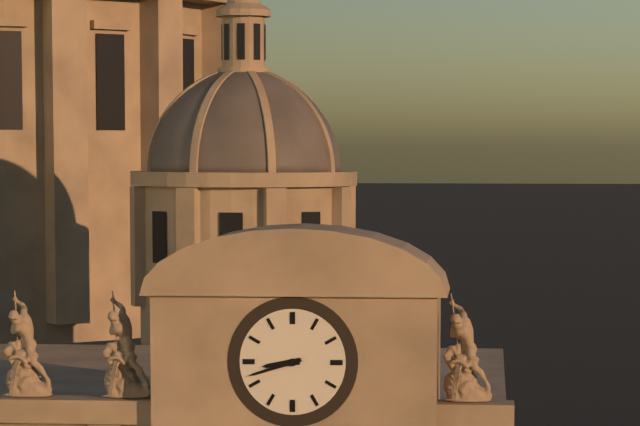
8:42
